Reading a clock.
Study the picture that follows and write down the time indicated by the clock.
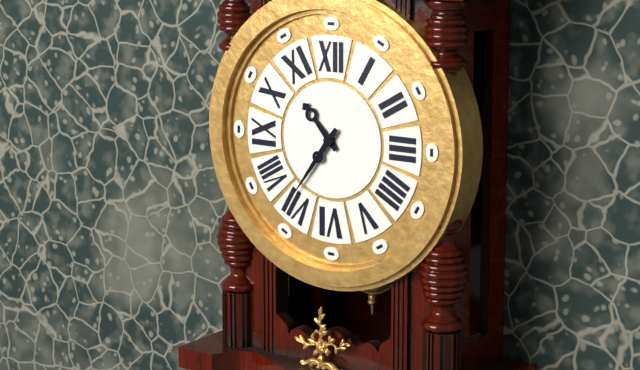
10:36
